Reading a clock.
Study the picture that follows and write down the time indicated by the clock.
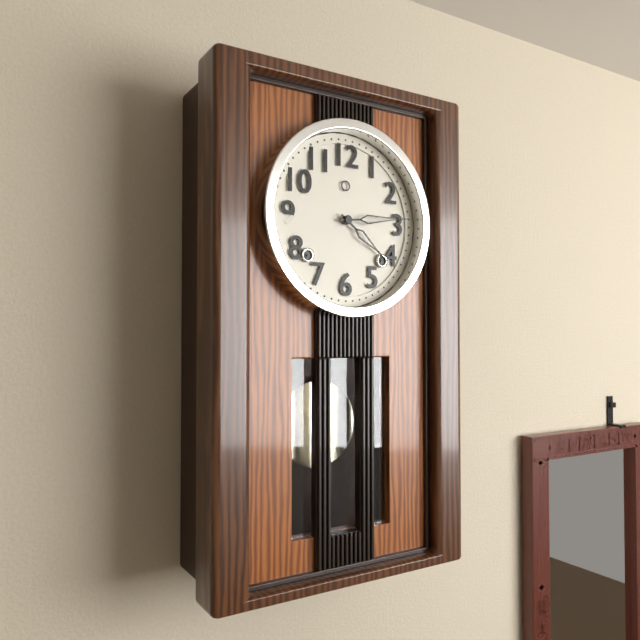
4:14
